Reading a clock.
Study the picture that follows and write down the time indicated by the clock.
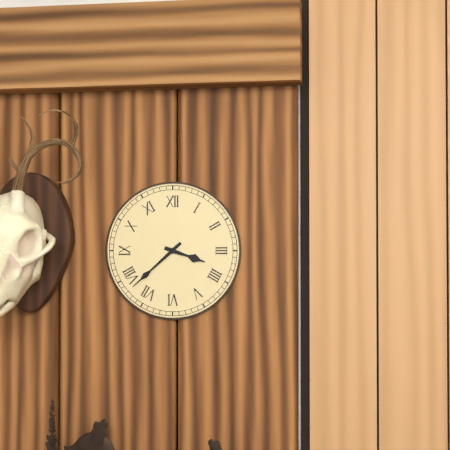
3:38
